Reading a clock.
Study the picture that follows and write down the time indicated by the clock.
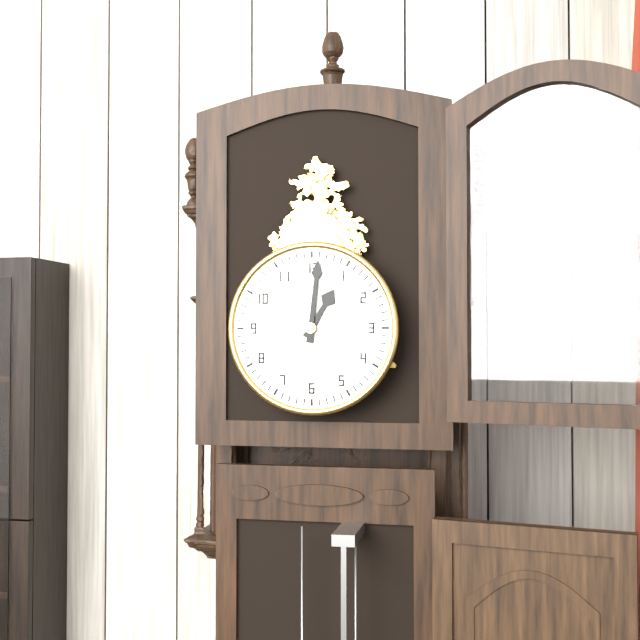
1:01
